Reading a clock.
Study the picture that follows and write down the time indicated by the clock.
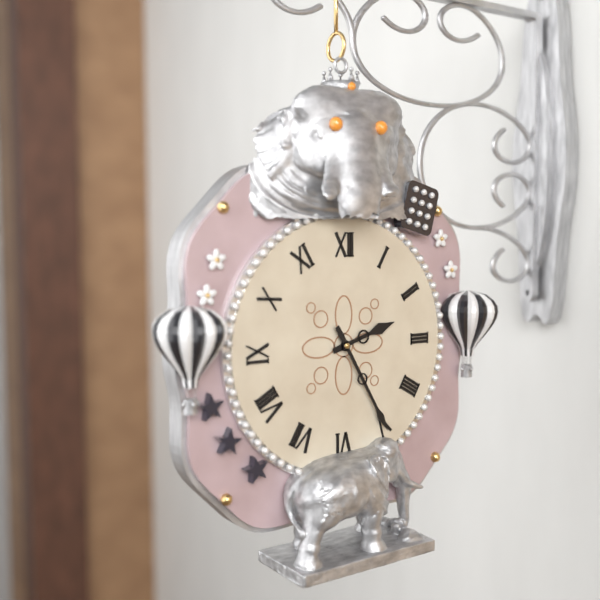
2:25
